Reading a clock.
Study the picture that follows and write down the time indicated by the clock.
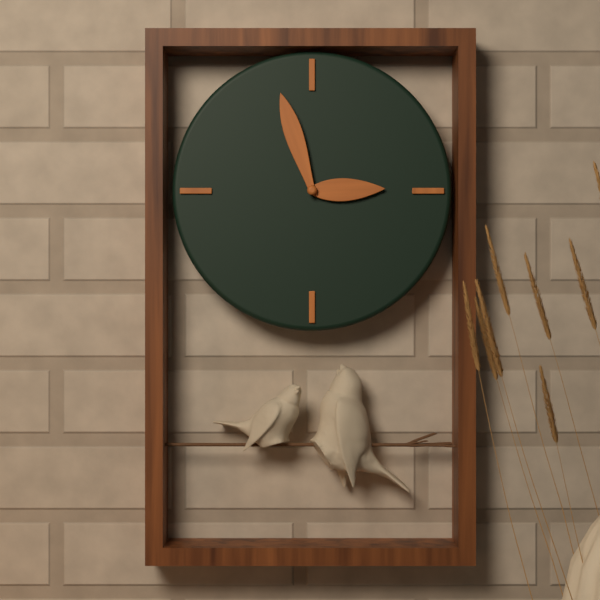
2:57
